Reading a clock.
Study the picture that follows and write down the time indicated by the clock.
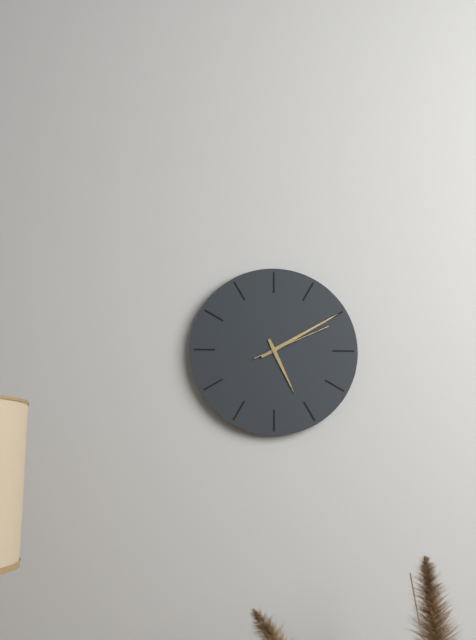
5:10:11
